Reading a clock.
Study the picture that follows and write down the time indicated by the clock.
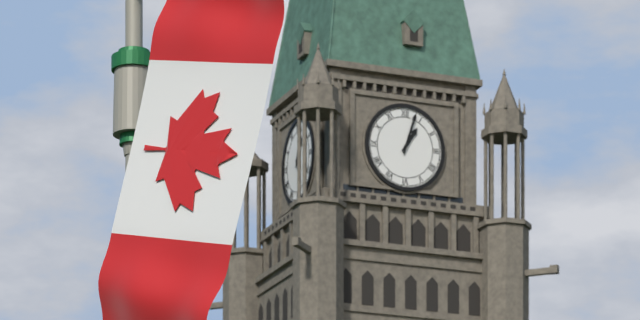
1:03
